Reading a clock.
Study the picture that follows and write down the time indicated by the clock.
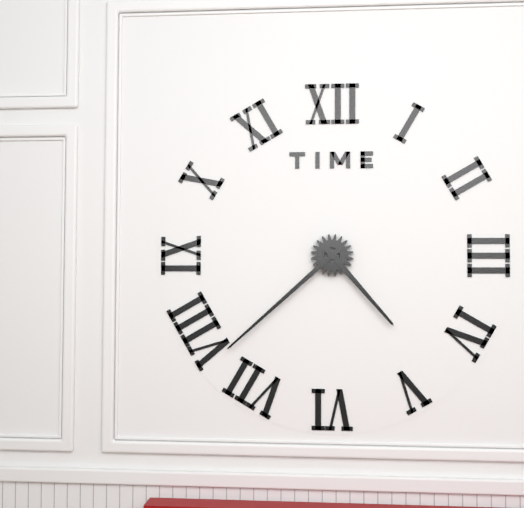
4:38
